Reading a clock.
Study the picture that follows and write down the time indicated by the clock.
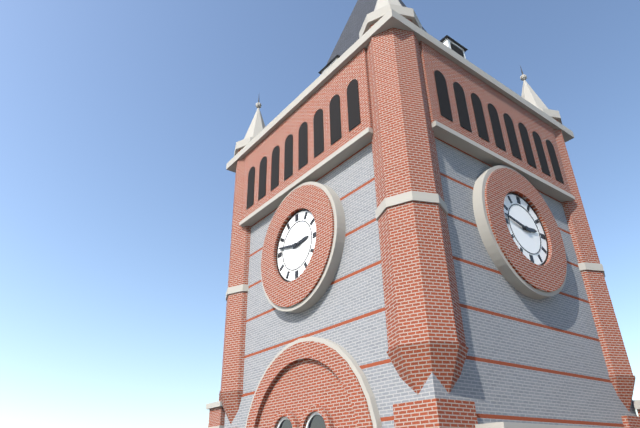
2:47
